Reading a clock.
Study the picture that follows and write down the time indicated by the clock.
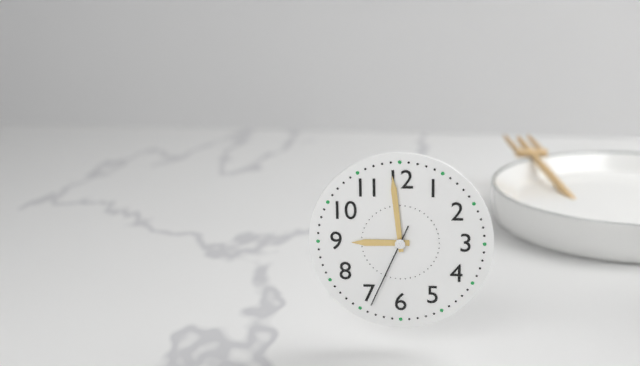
8:59:34
